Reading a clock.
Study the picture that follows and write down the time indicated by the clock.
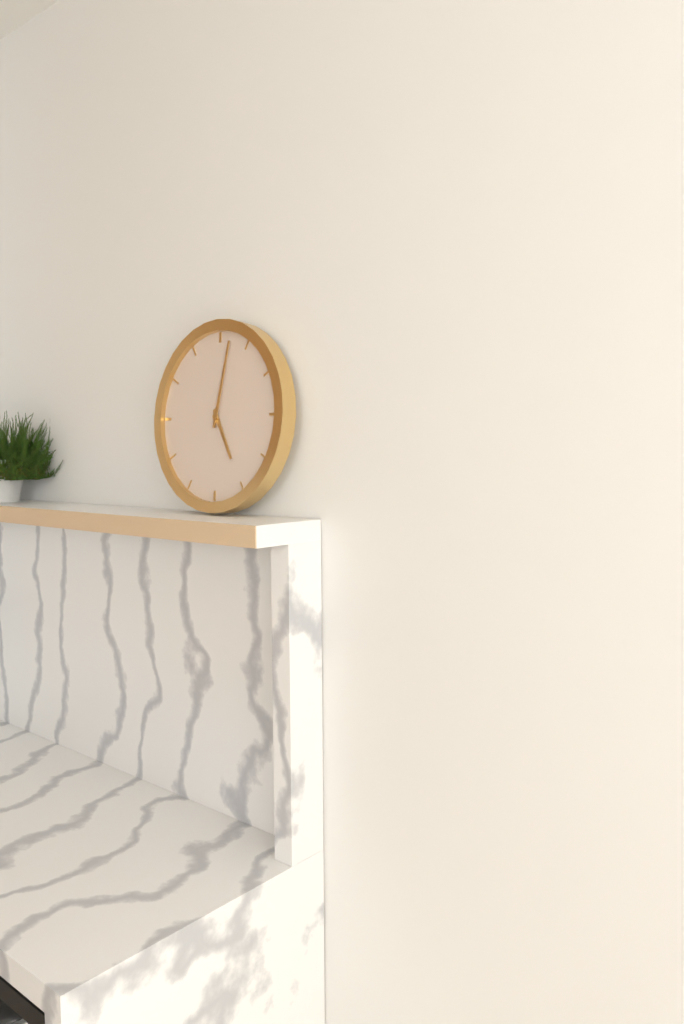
5:02
